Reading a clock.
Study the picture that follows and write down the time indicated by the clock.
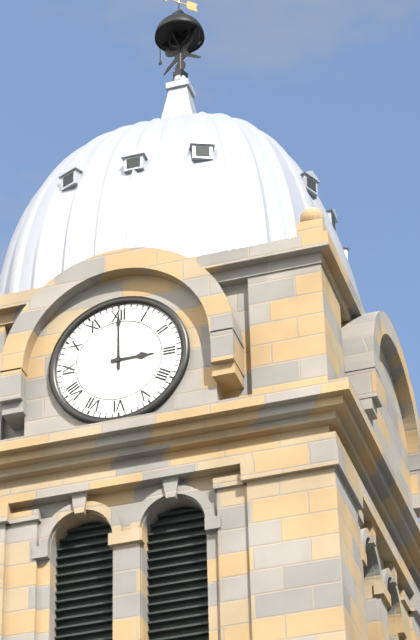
3:00
